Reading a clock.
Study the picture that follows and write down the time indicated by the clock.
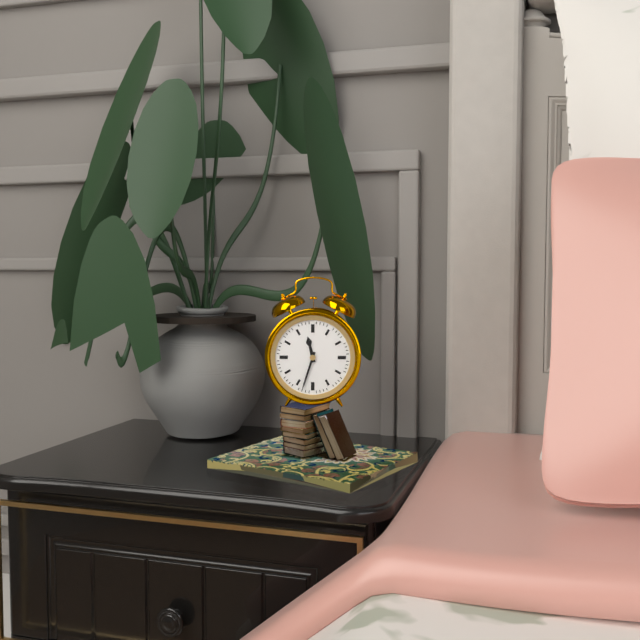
11:33
